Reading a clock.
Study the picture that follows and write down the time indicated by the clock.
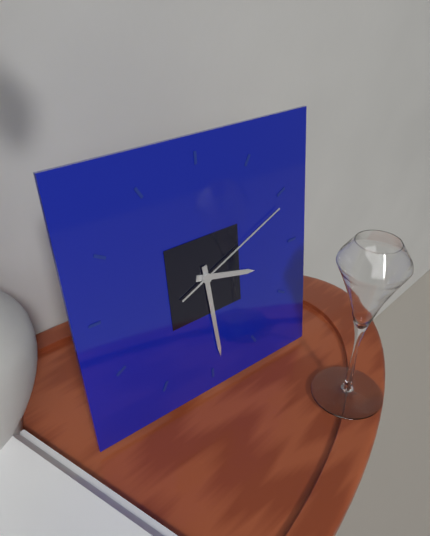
3:29:11
